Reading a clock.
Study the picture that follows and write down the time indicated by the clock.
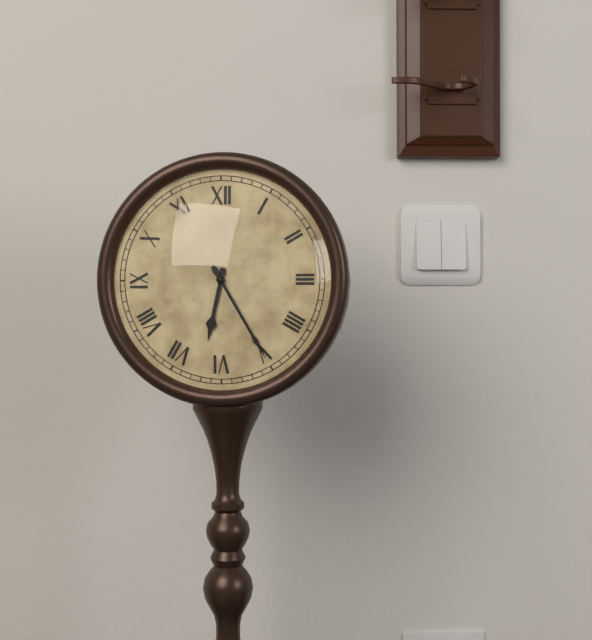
6:25
